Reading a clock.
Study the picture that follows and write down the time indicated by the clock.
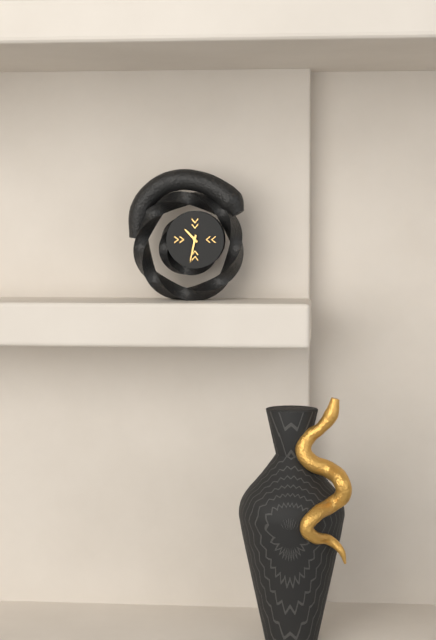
10:32
